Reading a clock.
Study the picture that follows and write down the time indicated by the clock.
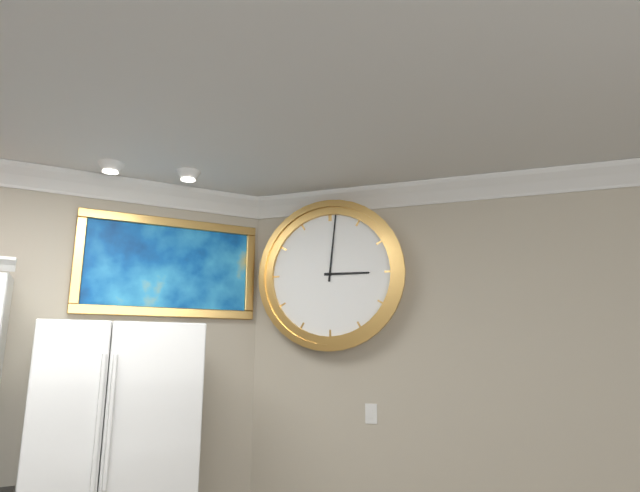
3:01
